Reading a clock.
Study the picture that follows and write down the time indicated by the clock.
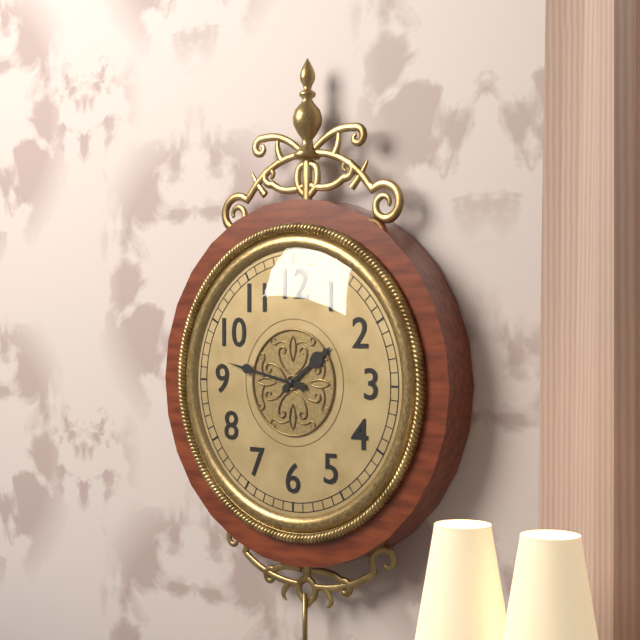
1:47
